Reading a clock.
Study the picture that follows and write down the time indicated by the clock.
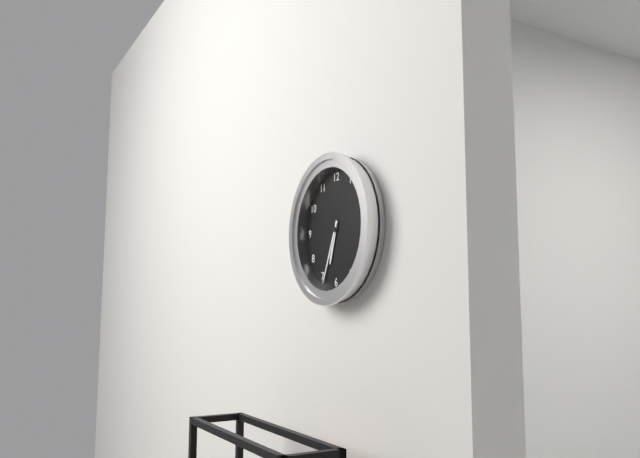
6:34
